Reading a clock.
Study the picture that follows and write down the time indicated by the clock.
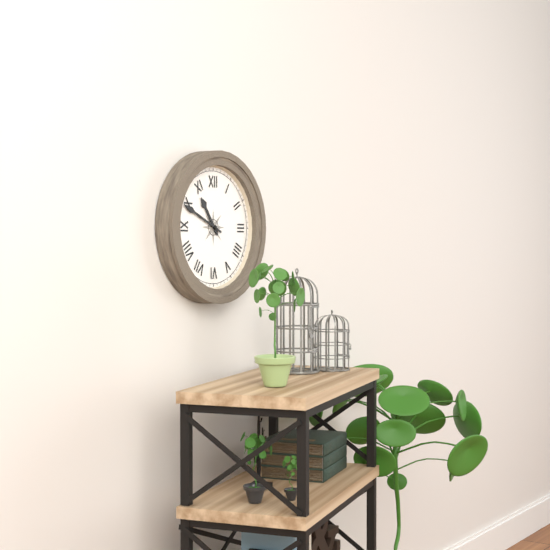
10:49
